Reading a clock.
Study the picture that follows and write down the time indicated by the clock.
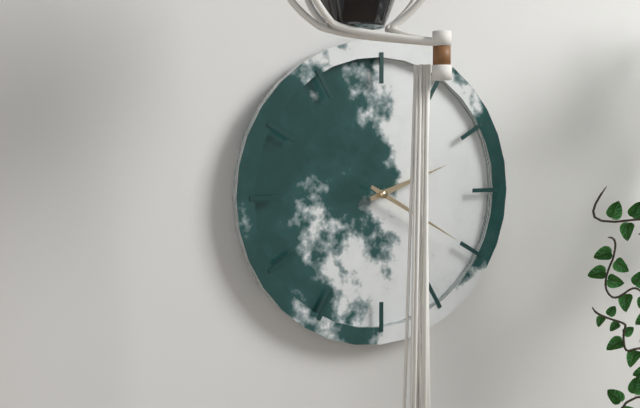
2:20
